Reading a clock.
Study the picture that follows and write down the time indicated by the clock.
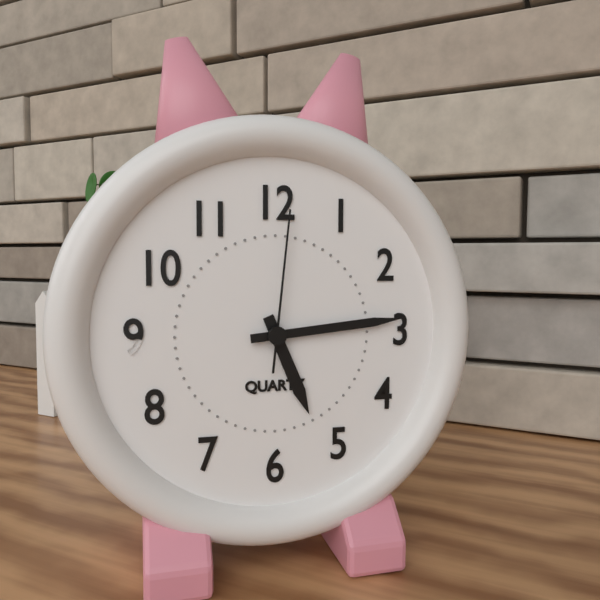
5:14:01
